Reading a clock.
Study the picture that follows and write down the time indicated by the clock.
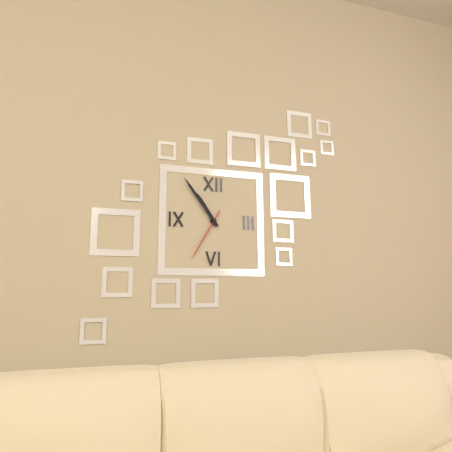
10:54:35
